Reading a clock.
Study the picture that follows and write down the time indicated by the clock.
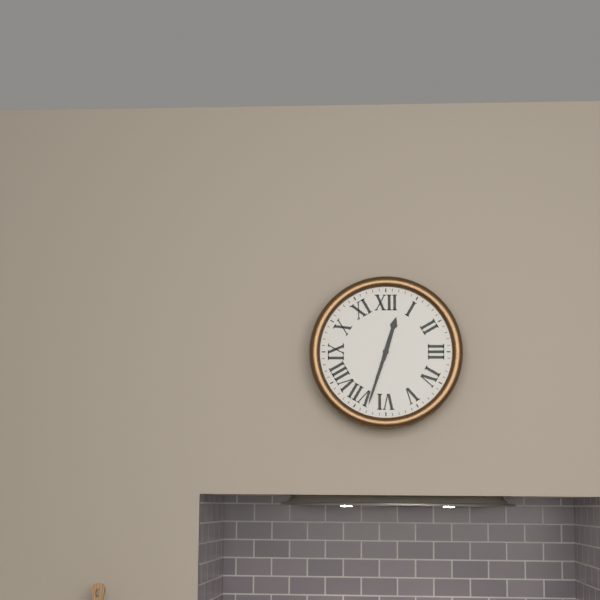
12:33
